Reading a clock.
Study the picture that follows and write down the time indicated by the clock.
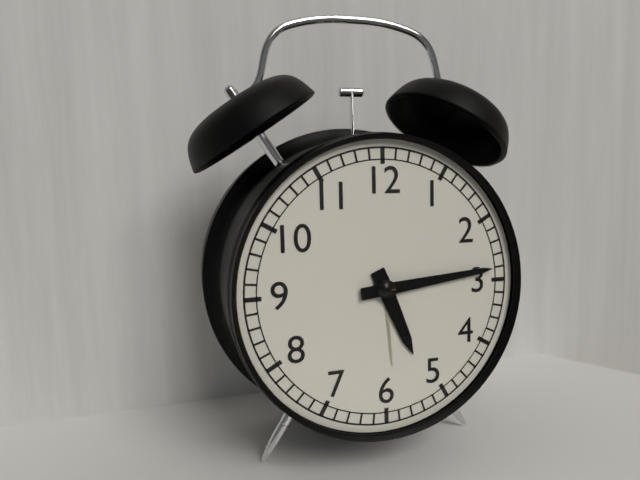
5:14
